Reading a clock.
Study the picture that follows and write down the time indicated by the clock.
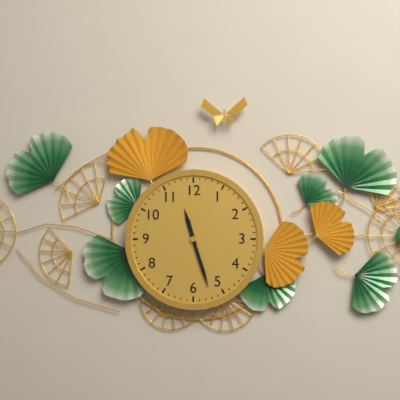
11:27
